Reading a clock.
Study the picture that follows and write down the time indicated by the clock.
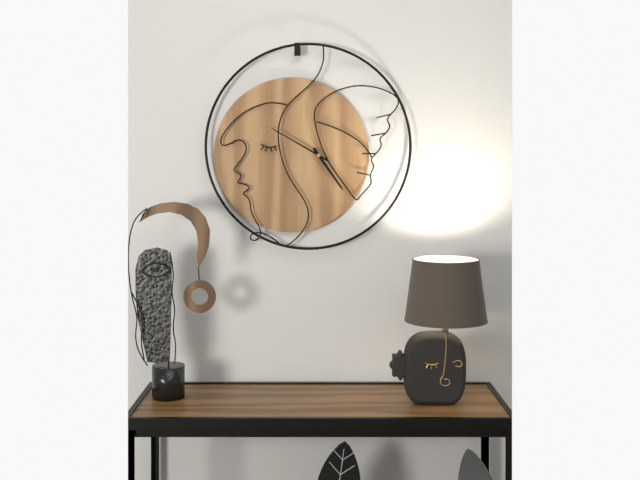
4:50
